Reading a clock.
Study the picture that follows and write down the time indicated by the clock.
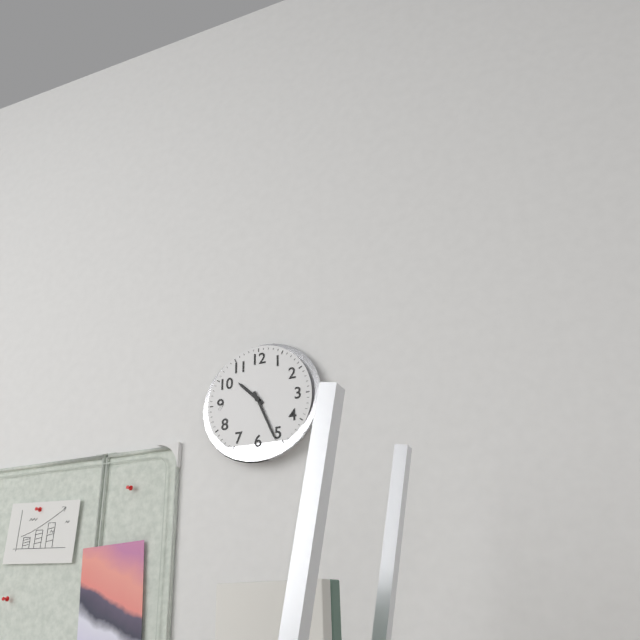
10:26
